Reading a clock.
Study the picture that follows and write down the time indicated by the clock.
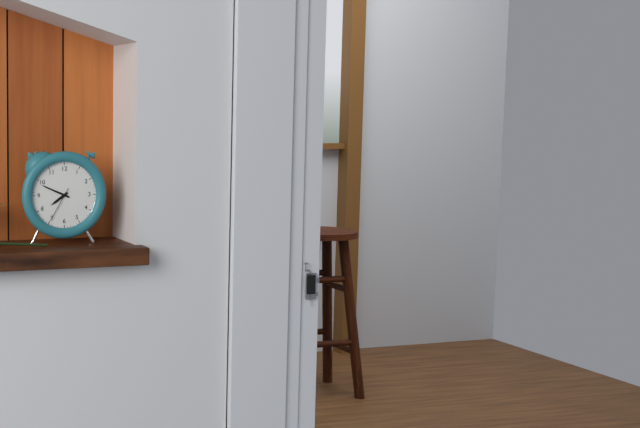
7:49
